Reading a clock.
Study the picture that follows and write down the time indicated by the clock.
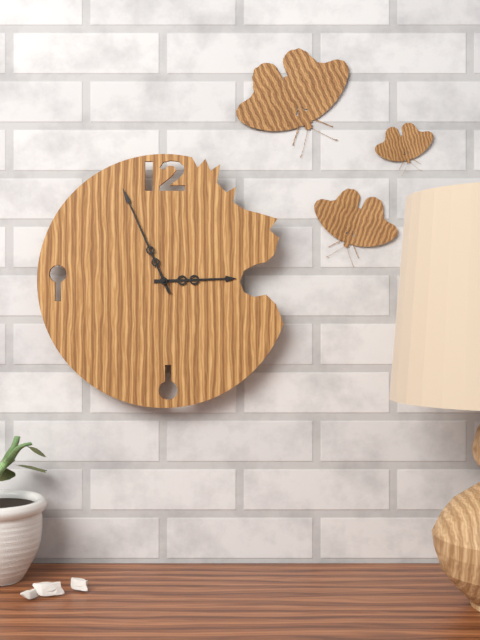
2:56
